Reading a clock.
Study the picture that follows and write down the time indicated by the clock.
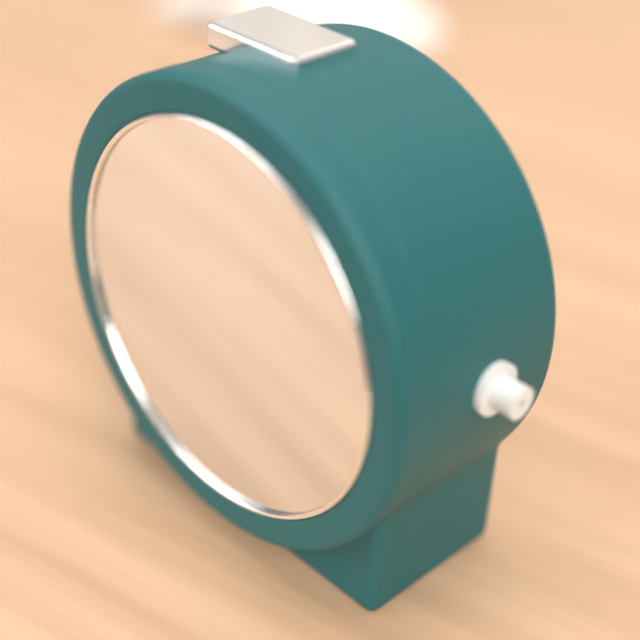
6:25:51
